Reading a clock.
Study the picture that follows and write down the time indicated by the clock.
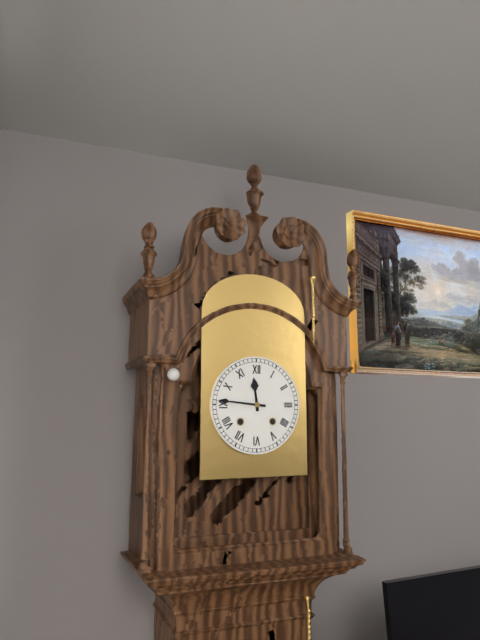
11:46
